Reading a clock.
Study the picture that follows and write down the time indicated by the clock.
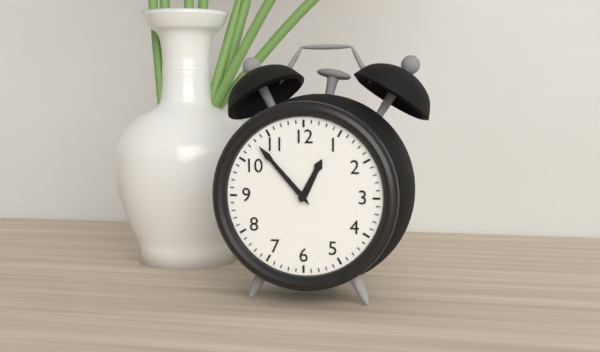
12:53
